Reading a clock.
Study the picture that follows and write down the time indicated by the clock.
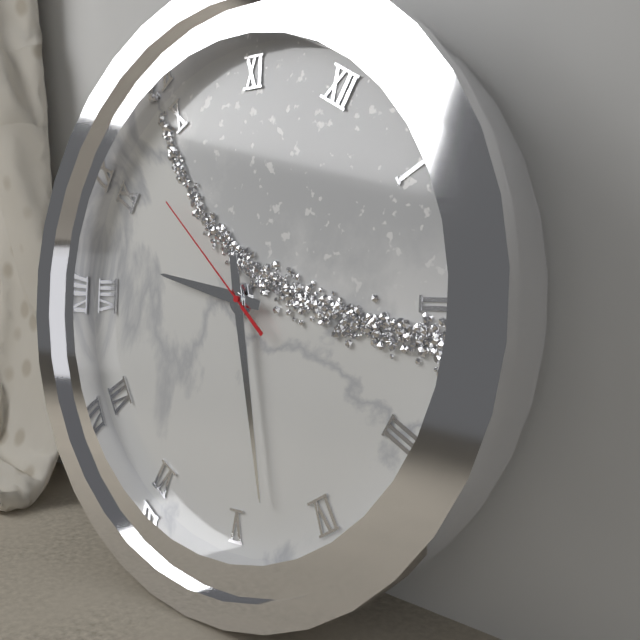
8:23:47
